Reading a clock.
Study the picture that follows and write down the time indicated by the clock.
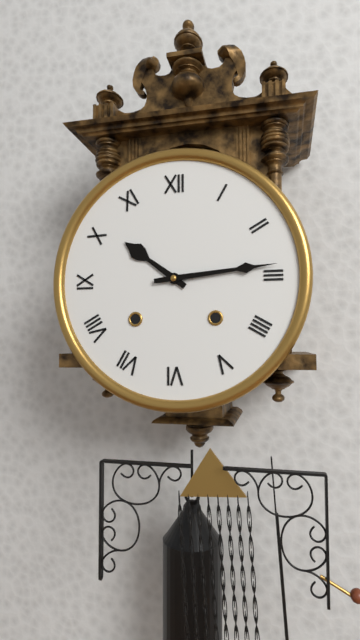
10:14
